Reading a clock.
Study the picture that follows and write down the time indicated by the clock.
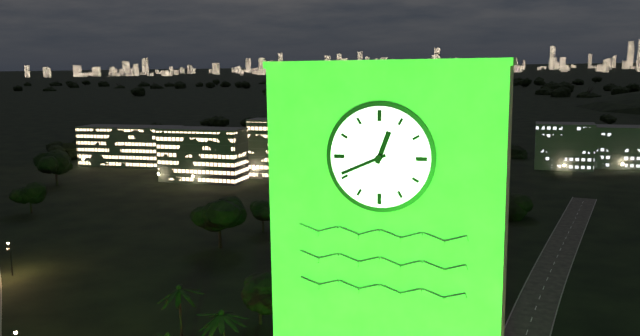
12:41
